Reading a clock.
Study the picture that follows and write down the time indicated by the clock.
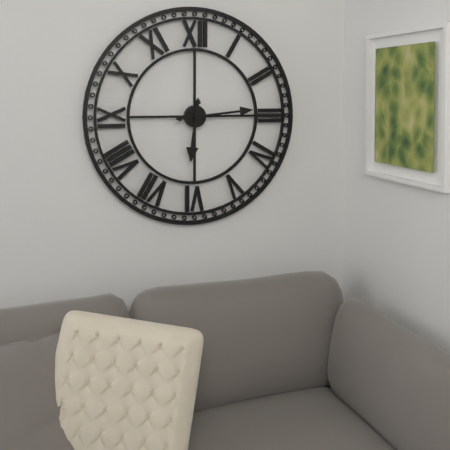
6:14
